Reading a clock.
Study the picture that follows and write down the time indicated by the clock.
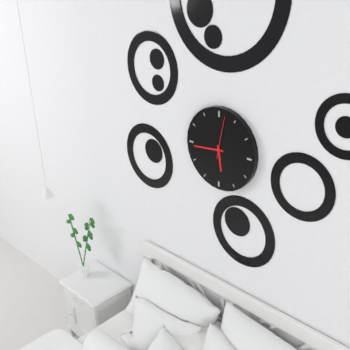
5:44
